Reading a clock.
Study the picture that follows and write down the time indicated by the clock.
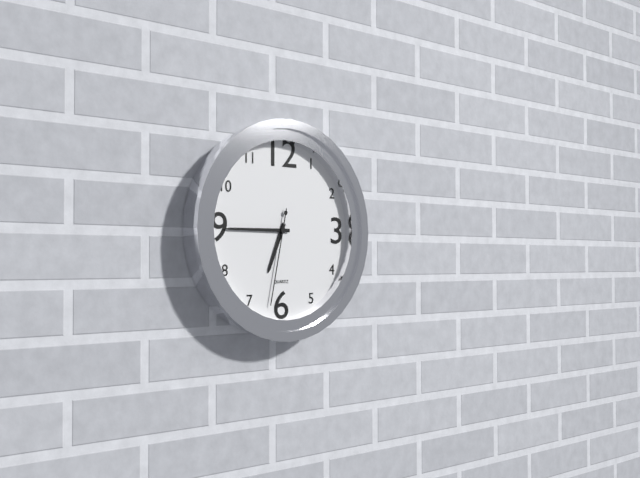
6:45:32
